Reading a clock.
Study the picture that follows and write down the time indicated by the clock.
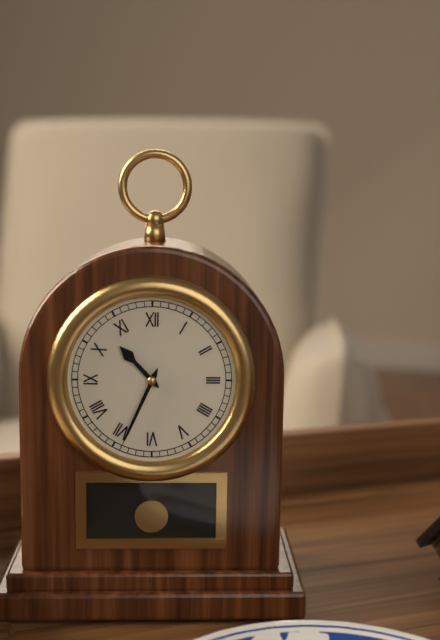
10:34
